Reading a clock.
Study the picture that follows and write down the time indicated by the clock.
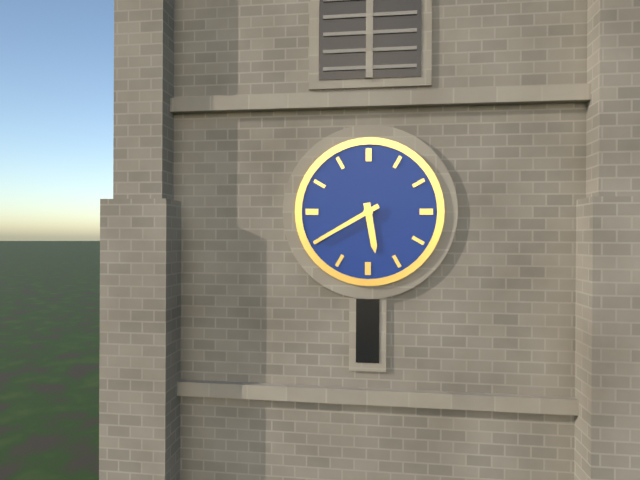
5:40
